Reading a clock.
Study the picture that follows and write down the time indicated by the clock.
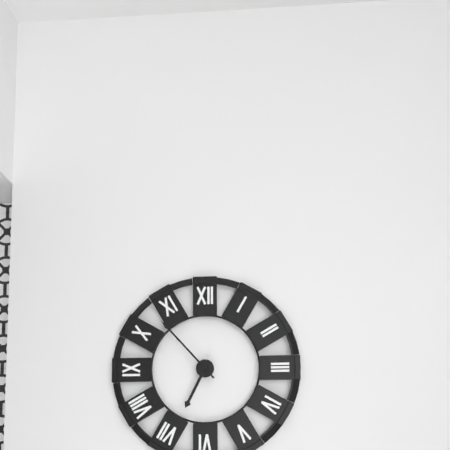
6:53
